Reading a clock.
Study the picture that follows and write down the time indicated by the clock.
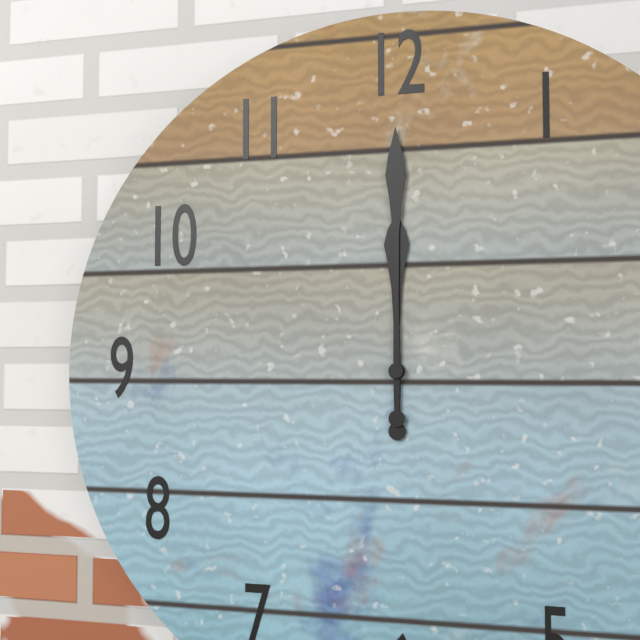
12:00
